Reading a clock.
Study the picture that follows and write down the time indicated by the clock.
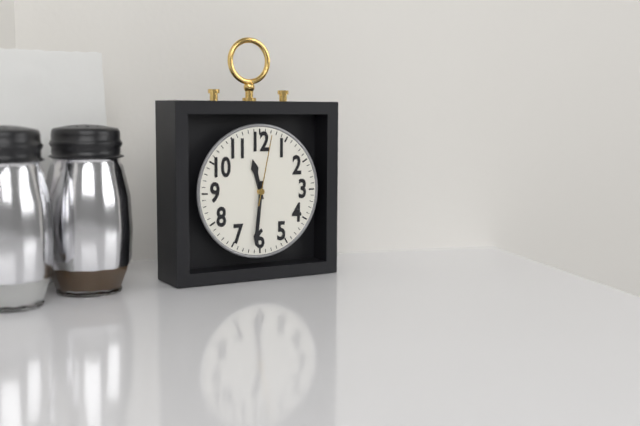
11:31:02
